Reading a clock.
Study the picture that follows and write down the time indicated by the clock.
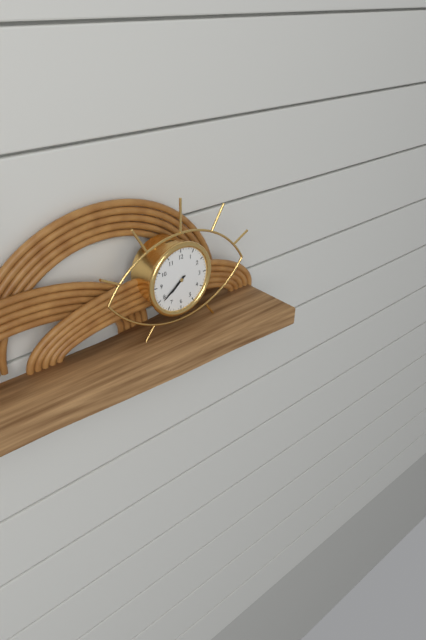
7:39
